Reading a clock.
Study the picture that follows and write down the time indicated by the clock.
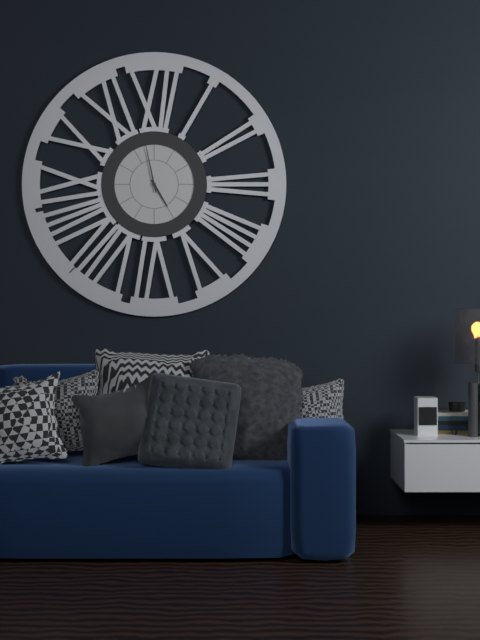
4:58
